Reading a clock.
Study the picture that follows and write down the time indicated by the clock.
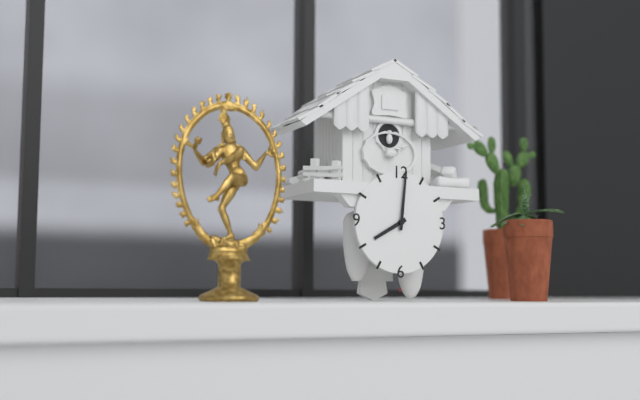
8:01
